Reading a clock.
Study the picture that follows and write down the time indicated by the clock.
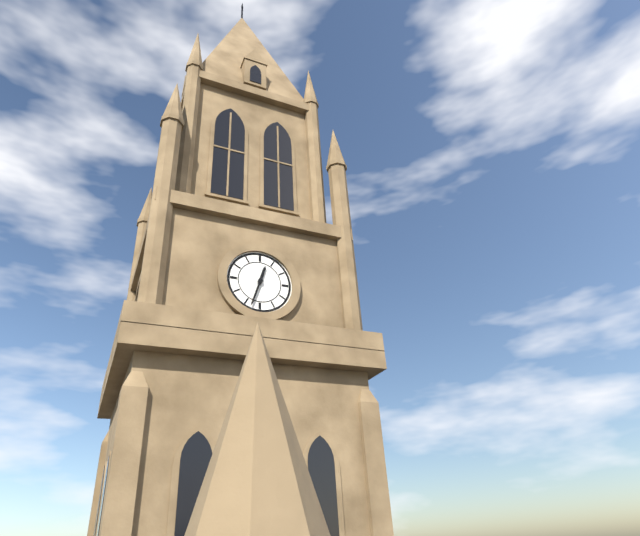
12:33
